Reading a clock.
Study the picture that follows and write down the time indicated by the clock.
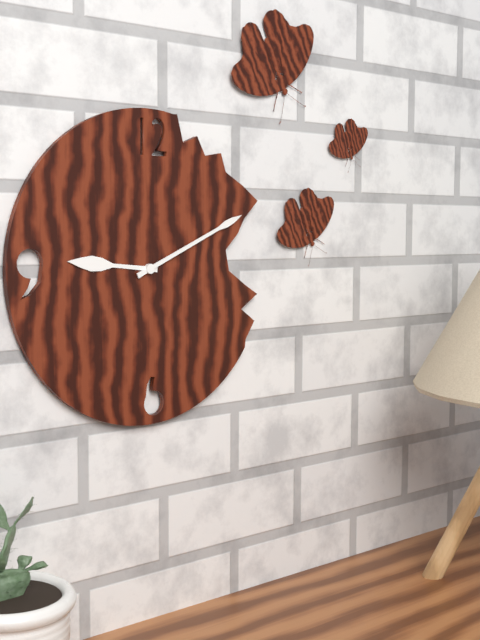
9:11
